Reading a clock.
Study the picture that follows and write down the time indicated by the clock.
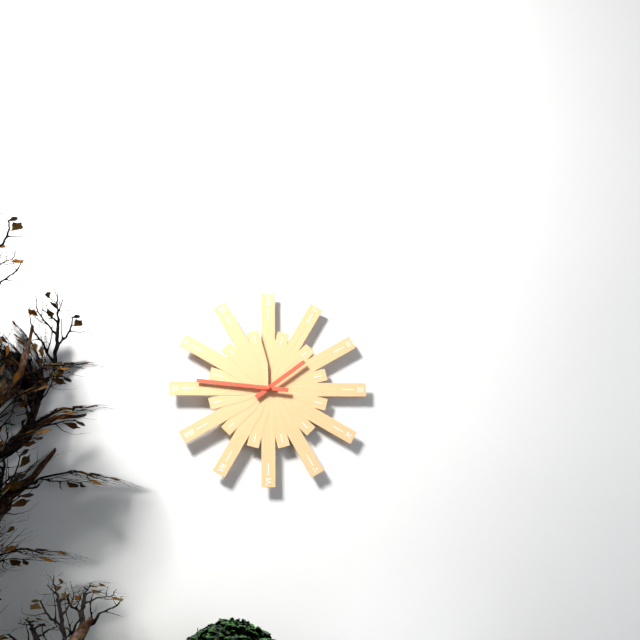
1:46
